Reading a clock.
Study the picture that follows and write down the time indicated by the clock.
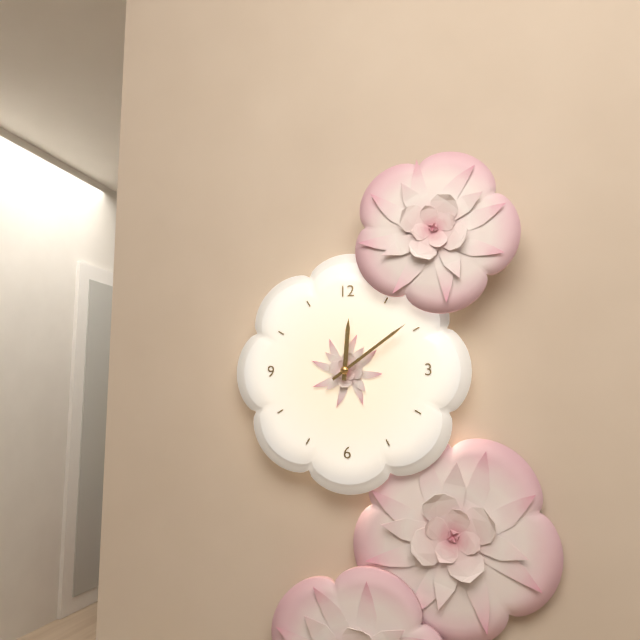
12:09
